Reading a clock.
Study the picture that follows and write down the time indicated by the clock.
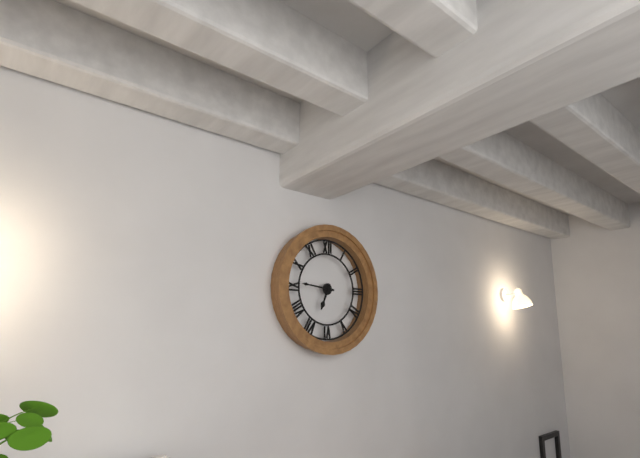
6:46
